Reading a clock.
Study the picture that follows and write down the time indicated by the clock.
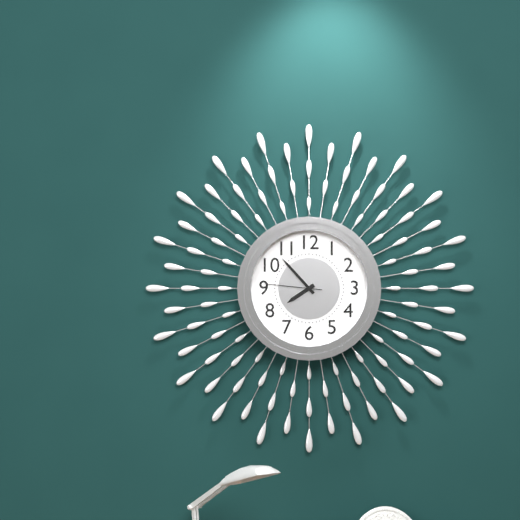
7:53:46
